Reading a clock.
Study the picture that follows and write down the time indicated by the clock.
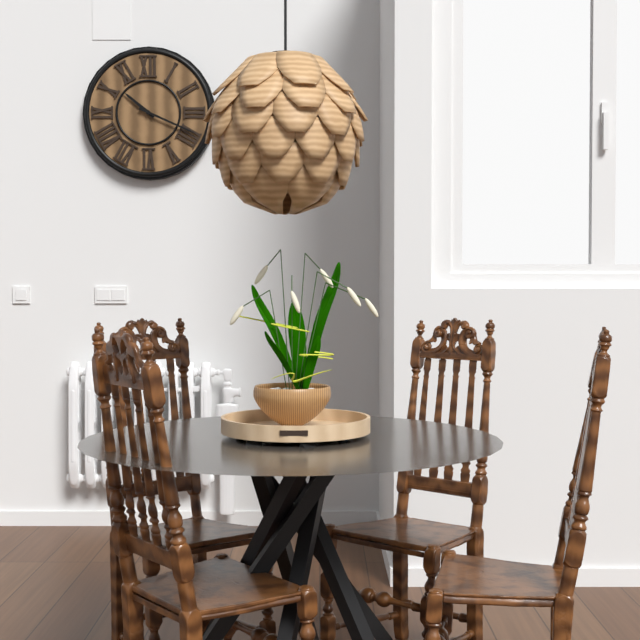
10:19
